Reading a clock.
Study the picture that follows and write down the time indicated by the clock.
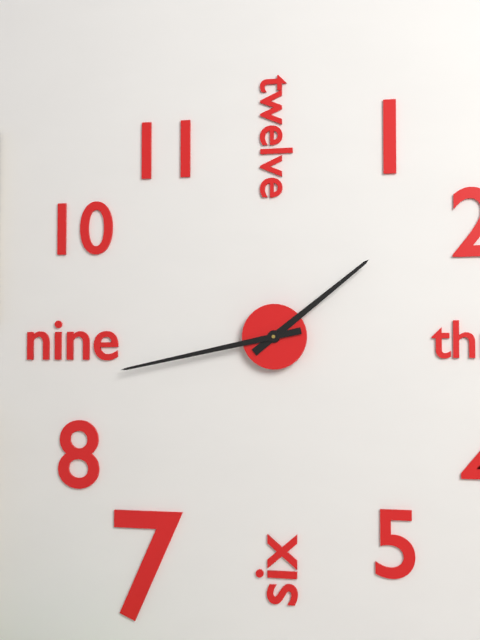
1:43
